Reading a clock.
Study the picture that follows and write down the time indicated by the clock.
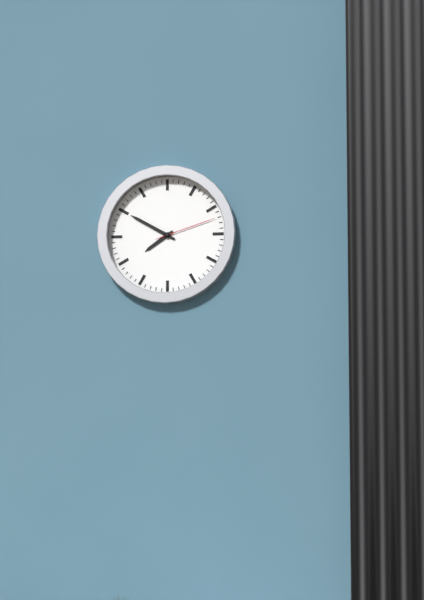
7:50:12
